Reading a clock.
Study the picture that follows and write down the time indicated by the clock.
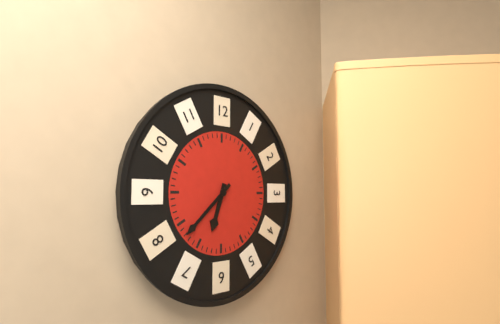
6:38
